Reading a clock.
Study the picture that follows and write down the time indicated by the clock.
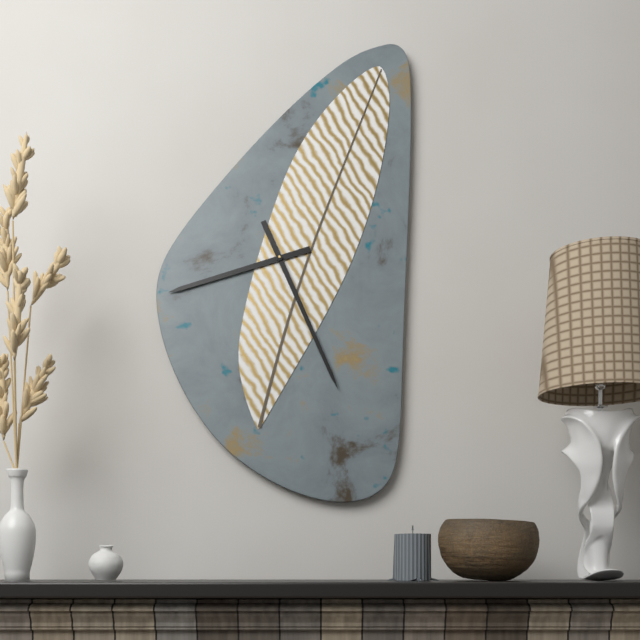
8:26
